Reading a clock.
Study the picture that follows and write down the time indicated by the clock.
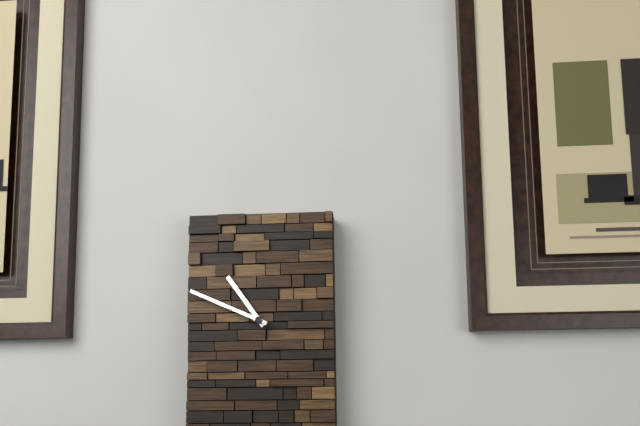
10:49
